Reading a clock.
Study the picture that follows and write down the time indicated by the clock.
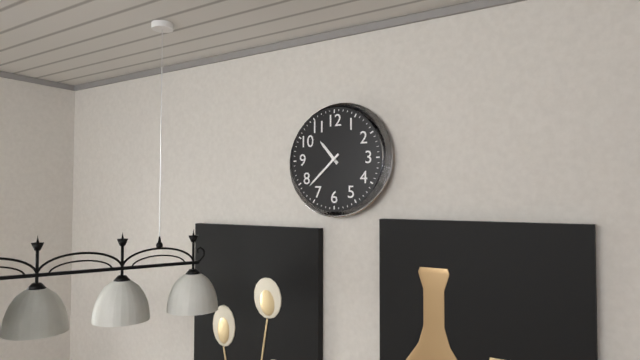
10:38
